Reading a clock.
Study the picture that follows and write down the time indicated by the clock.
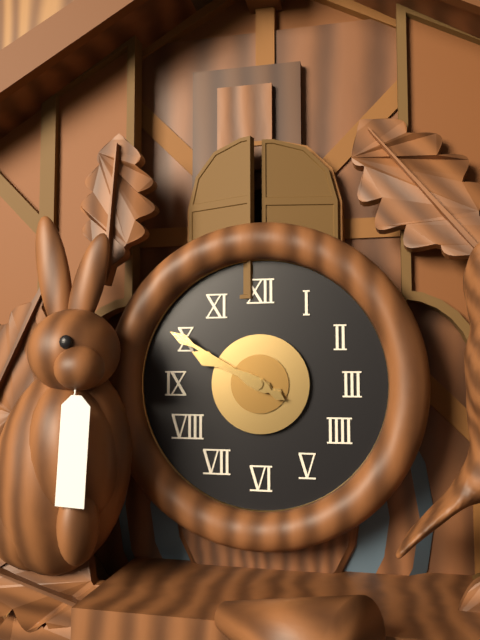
9:50
